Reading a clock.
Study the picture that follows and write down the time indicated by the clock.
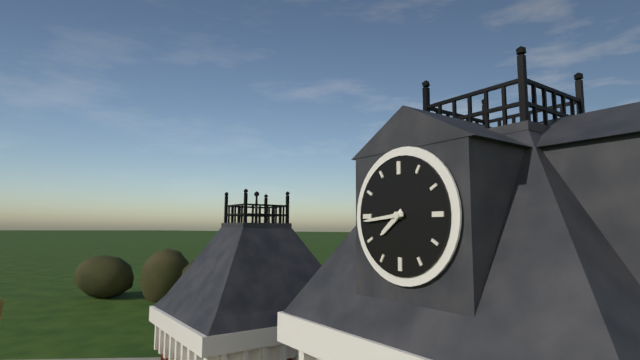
7:44
